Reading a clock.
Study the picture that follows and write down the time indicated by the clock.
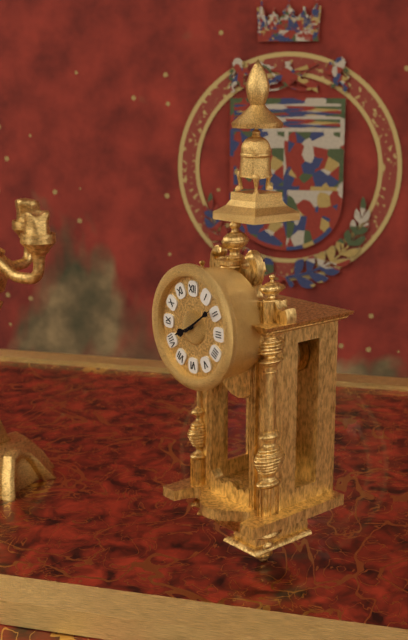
8:09
